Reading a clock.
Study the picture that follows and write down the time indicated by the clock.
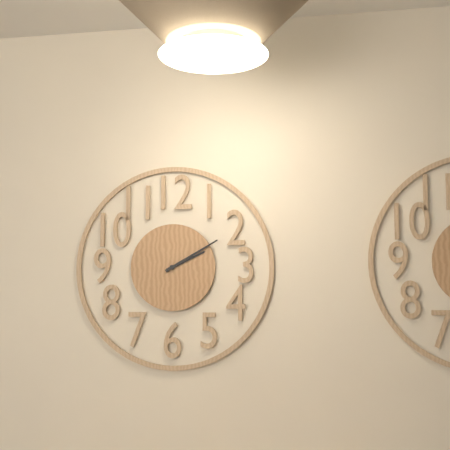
2:10
